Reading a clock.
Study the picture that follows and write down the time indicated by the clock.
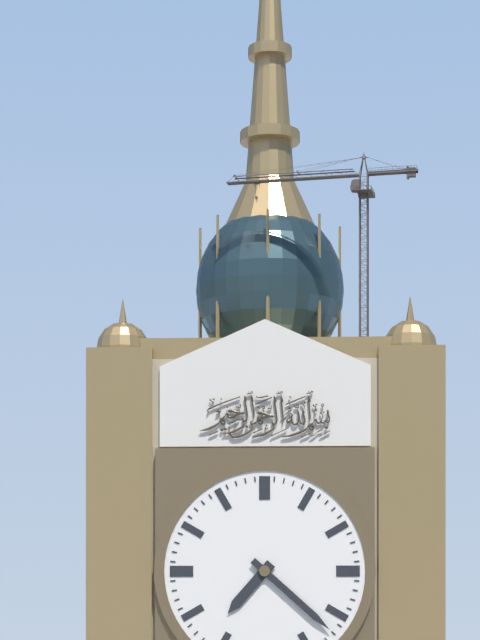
7:22
